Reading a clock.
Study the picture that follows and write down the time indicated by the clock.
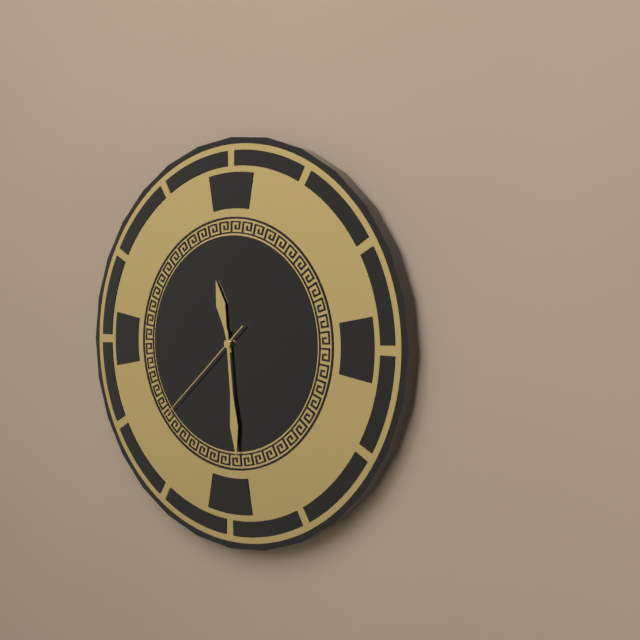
11:29:38
